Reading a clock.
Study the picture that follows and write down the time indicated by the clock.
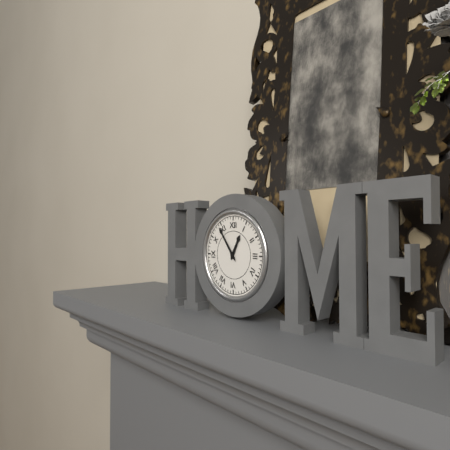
12:54
